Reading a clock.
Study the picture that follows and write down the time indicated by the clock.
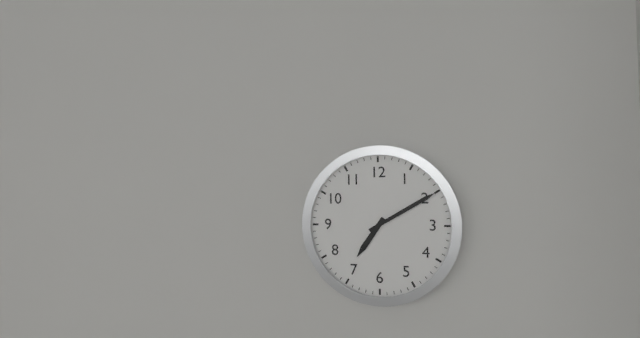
7:10
